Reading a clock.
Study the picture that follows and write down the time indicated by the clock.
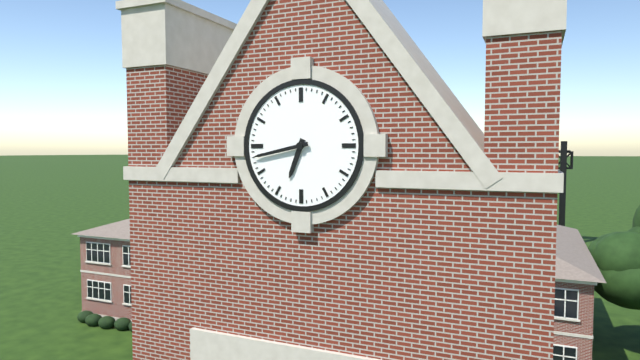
6:43
